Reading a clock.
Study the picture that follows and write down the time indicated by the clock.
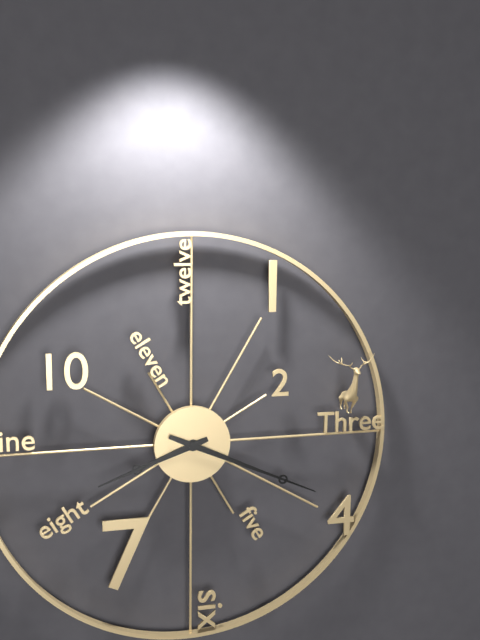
8:19
